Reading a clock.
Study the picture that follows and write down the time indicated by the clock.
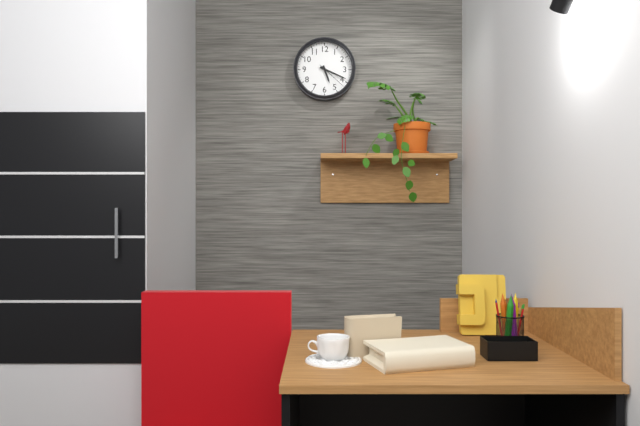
5:19
